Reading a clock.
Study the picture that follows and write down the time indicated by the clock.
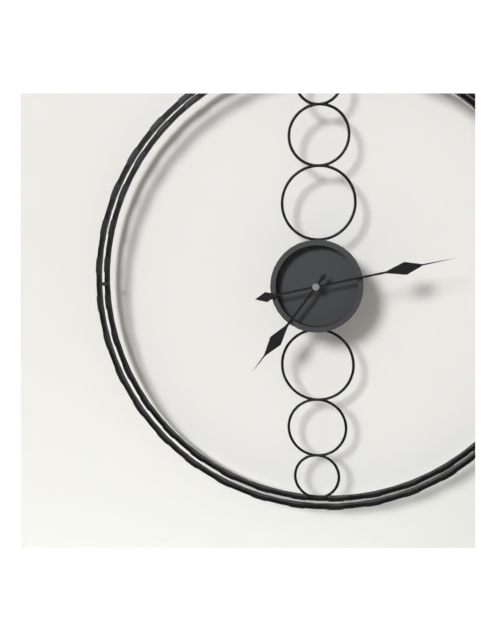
7:13
